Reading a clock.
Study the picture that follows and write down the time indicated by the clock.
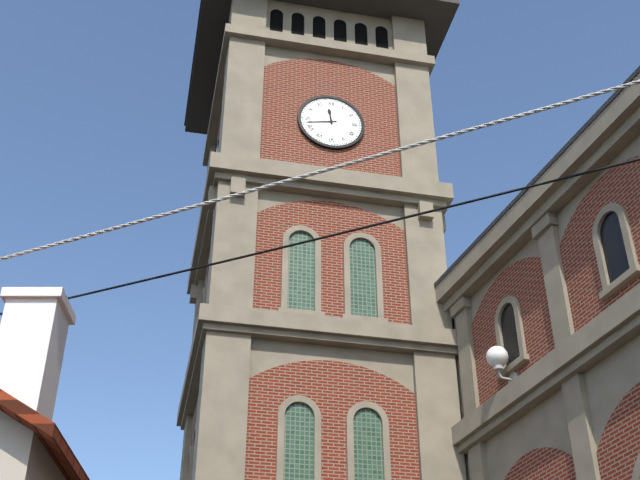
11:43
